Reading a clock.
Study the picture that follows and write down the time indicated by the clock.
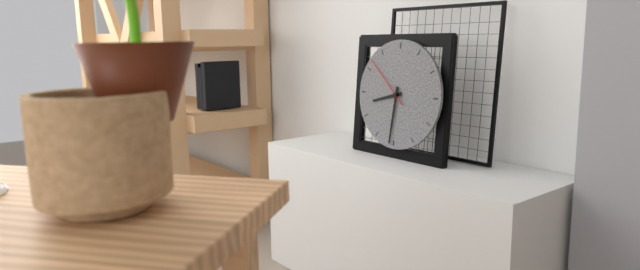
8:31:52
